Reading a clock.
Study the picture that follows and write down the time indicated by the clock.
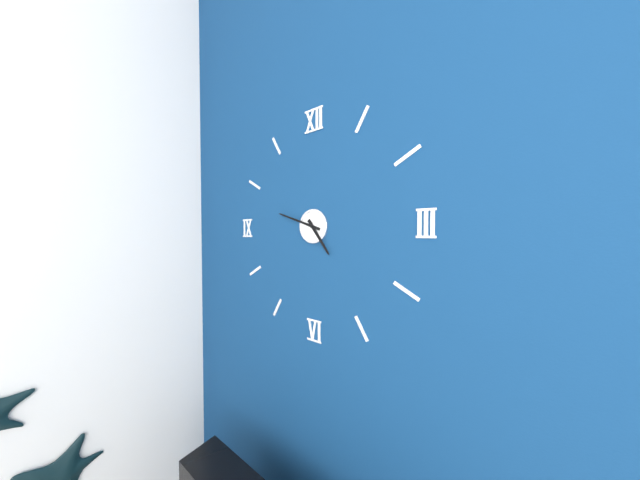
4:48
